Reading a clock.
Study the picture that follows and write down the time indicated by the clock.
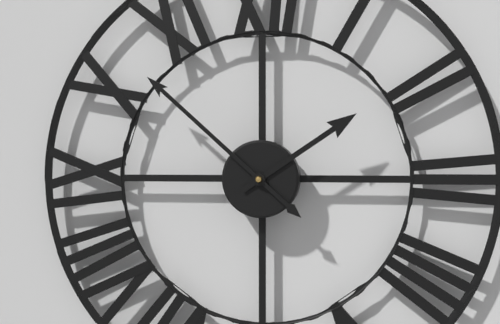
1:52
